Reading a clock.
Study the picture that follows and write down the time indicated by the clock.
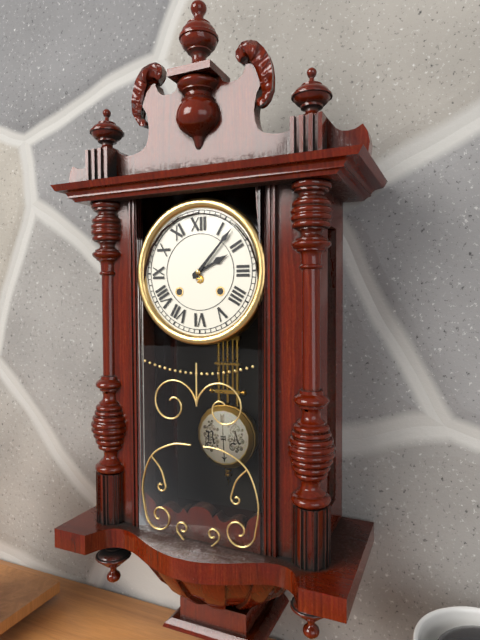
2:07
